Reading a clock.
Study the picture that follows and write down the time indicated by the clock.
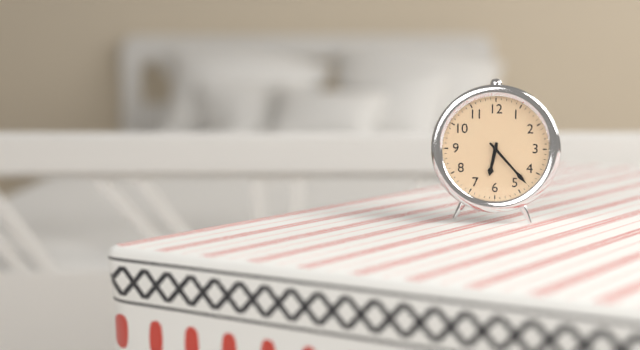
6:23
